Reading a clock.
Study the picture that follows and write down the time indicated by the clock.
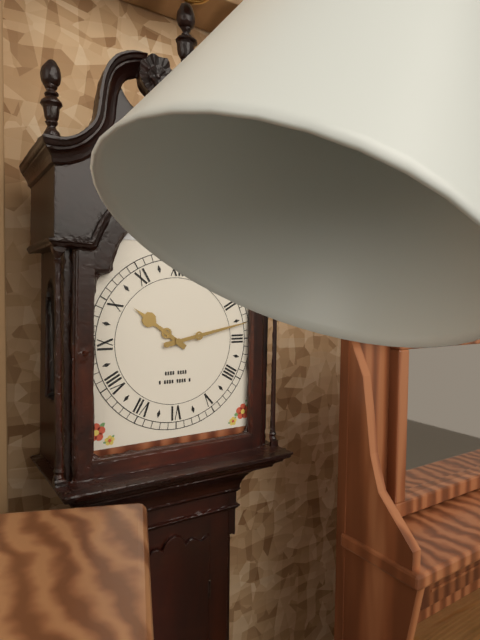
10:13
